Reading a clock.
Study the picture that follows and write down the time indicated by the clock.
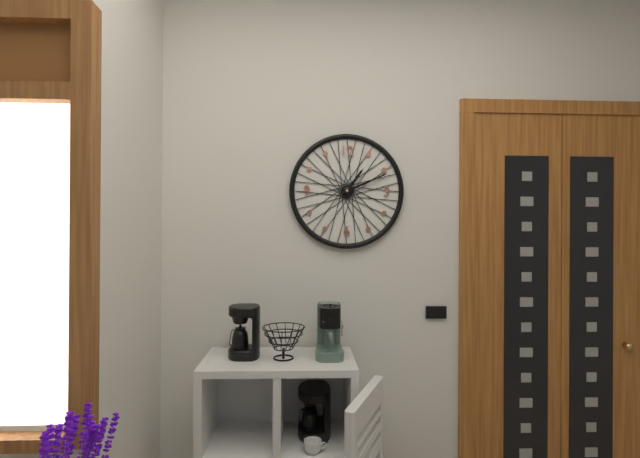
1:11
